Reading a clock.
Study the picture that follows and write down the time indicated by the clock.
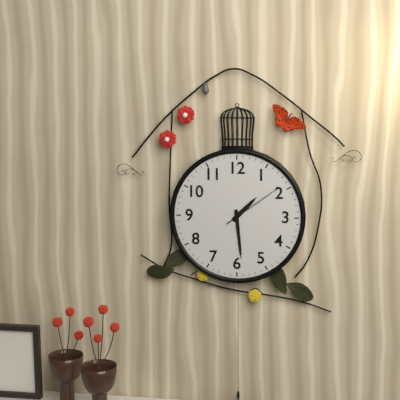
1:29:09
